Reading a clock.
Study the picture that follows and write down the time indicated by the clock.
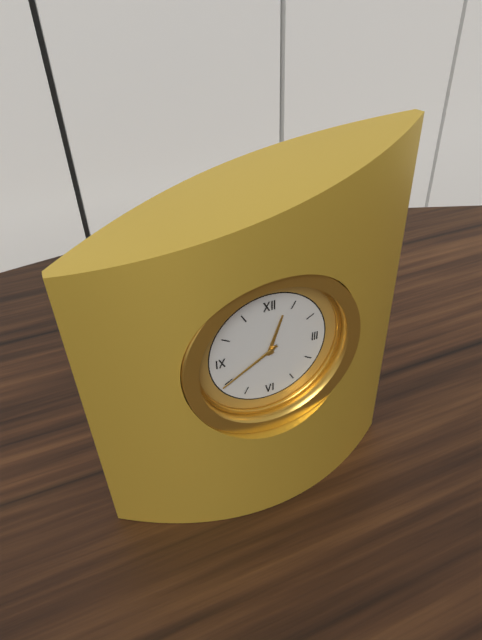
12:40
